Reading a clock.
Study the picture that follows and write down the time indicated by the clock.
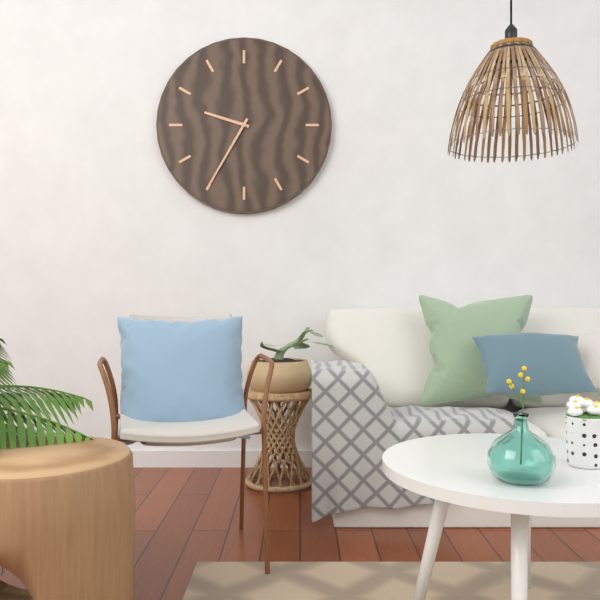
9:35
